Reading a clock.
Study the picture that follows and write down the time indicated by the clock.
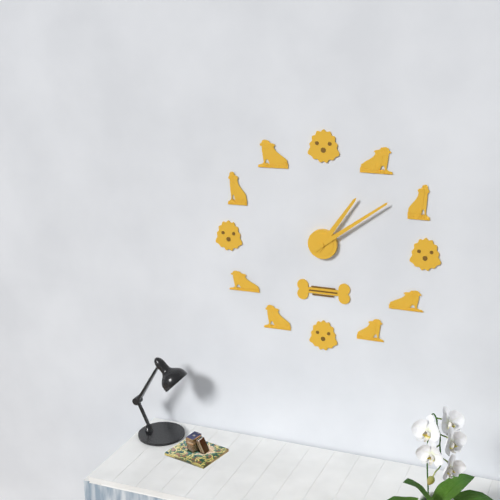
1:09
